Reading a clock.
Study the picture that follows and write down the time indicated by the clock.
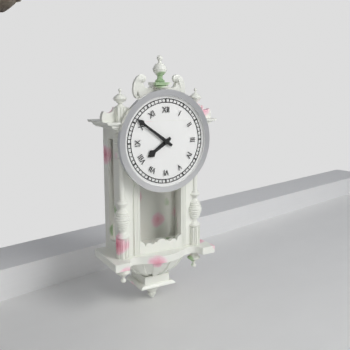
7:51
